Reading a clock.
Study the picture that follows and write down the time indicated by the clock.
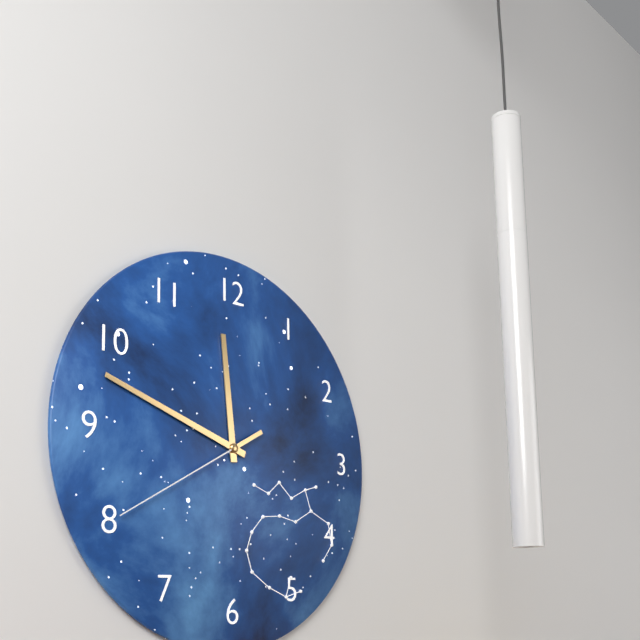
11:48:40
